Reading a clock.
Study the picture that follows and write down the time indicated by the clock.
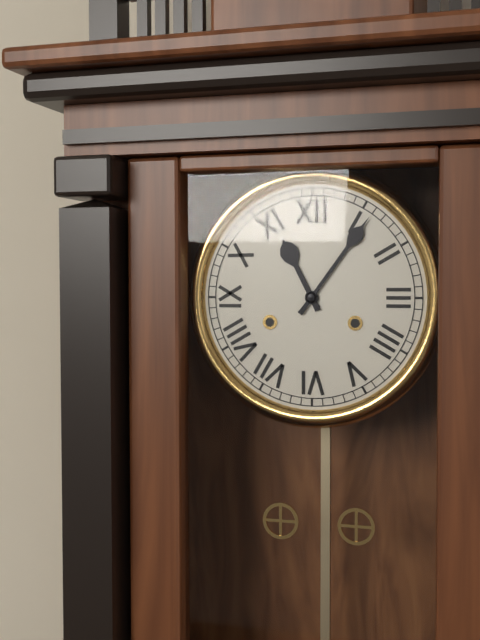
11:06
